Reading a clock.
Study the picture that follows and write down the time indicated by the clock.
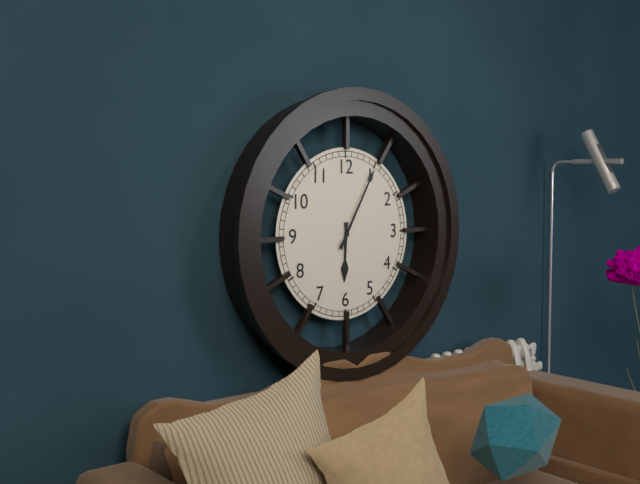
6:05
